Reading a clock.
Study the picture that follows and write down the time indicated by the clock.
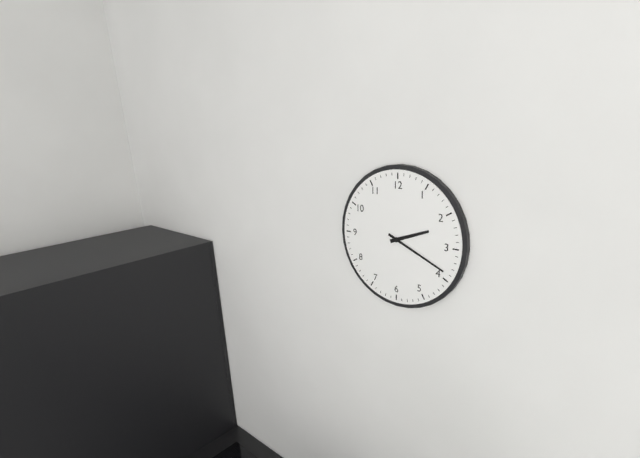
2:19
